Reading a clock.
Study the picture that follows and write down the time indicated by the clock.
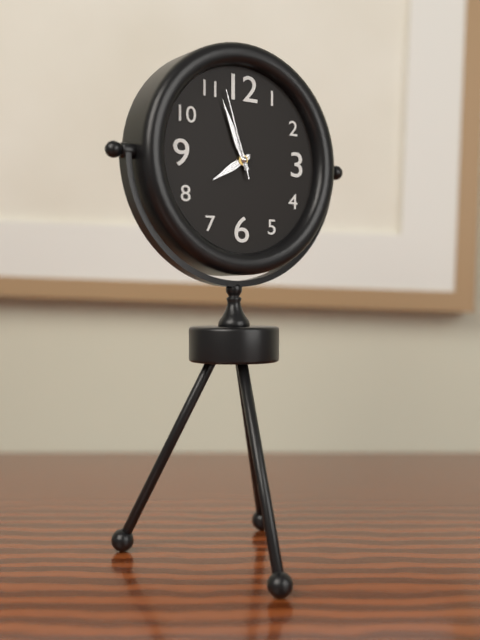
7:56:57
